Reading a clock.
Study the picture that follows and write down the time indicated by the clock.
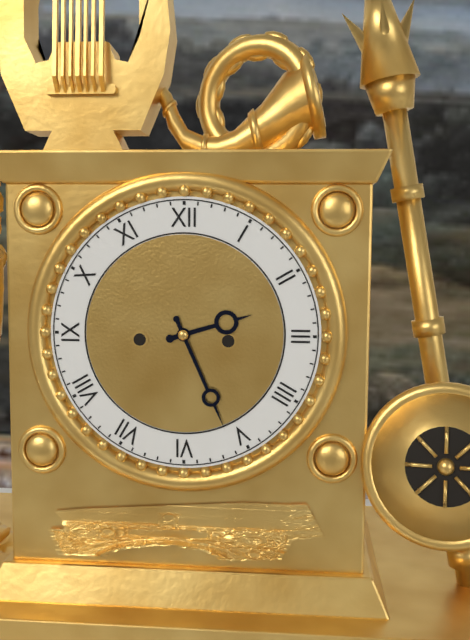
2:26
